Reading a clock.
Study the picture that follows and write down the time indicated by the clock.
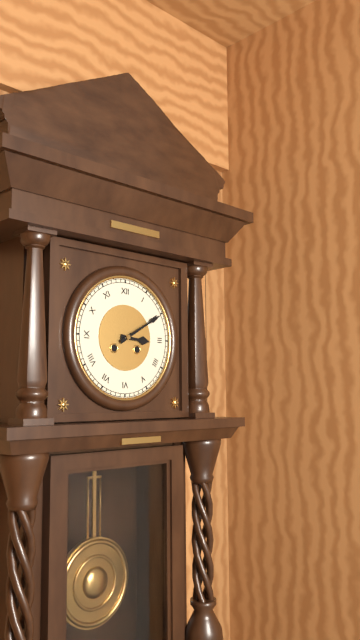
3:10
